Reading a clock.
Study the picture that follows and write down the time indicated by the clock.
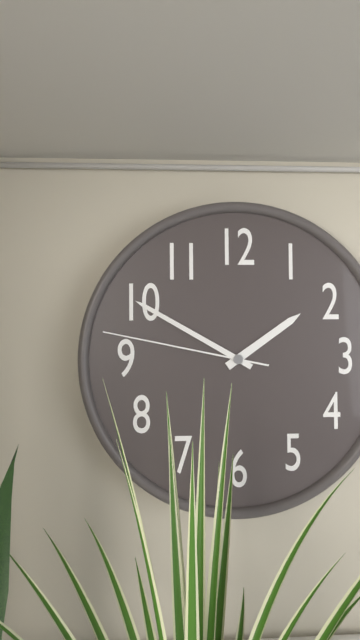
1:50:47
